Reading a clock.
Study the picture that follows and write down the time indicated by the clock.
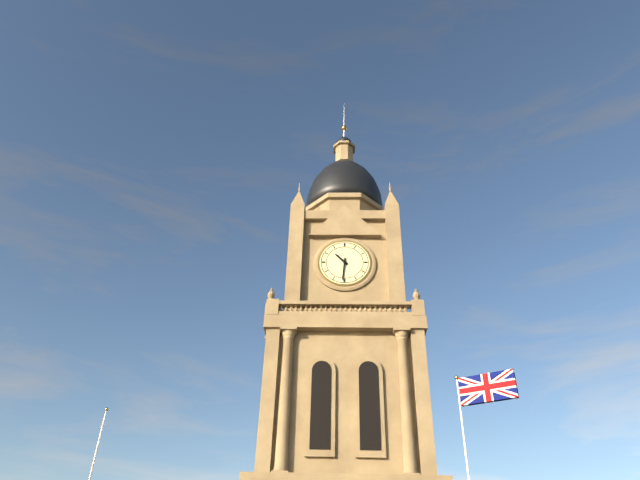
10:31
